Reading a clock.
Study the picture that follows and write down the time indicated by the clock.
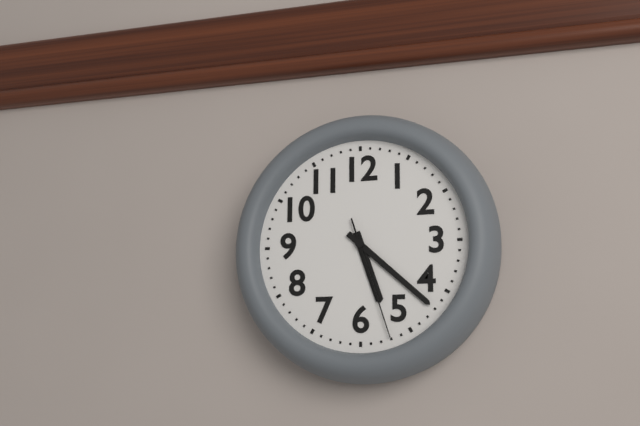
5:22:27
